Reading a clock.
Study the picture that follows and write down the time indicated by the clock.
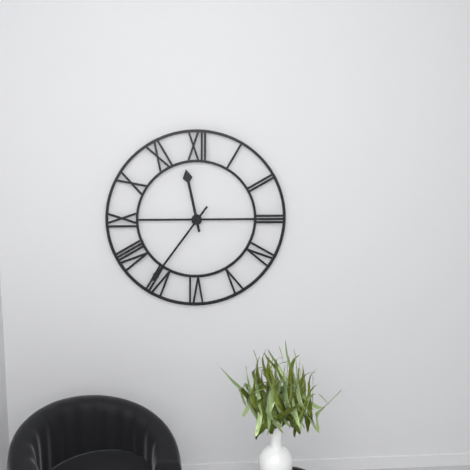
11:36
